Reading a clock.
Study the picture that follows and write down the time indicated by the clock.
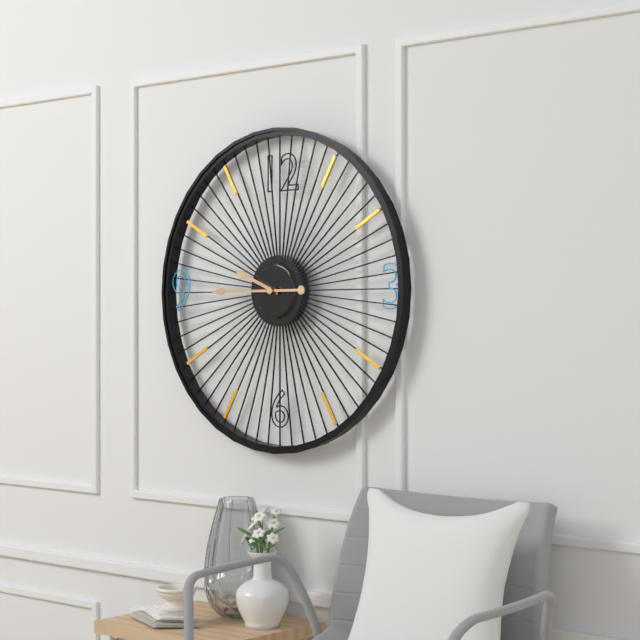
9:45
